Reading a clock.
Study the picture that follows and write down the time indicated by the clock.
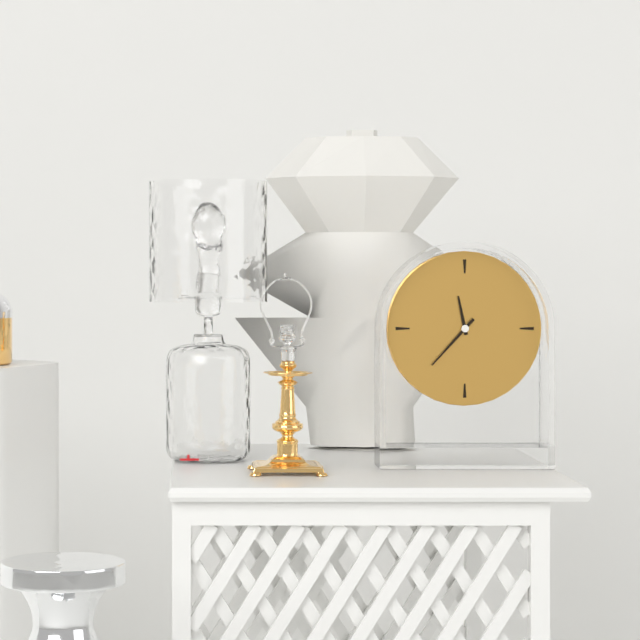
11:37
